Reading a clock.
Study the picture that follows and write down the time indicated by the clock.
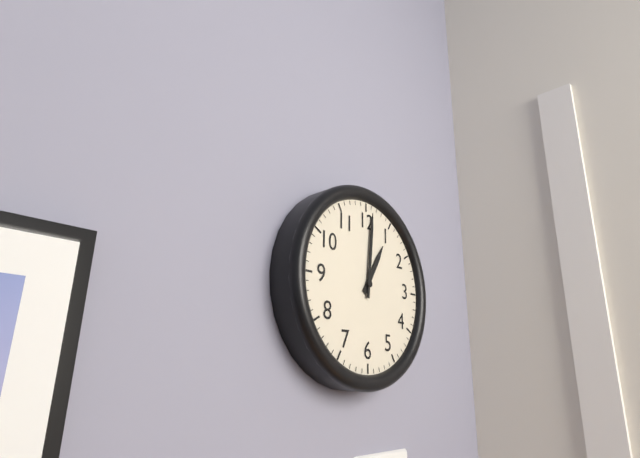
1:01
